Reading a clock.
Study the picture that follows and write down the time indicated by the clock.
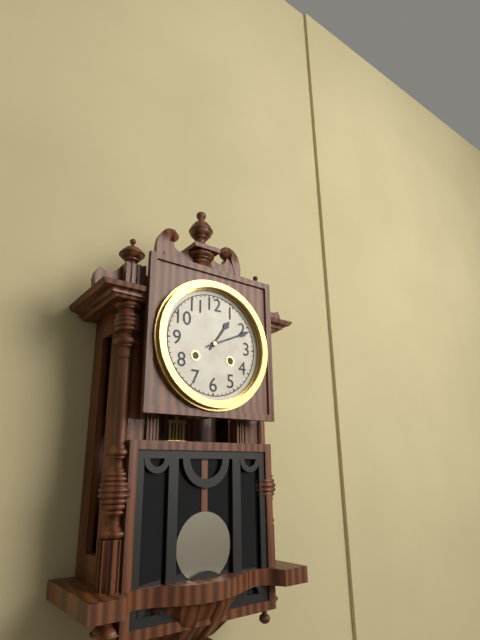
1:11
